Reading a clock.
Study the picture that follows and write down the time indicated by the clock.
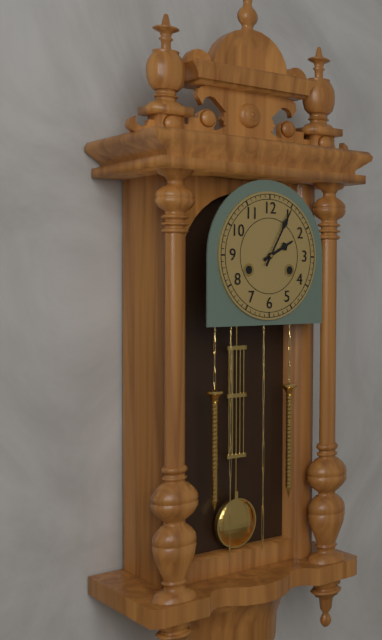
2:05
